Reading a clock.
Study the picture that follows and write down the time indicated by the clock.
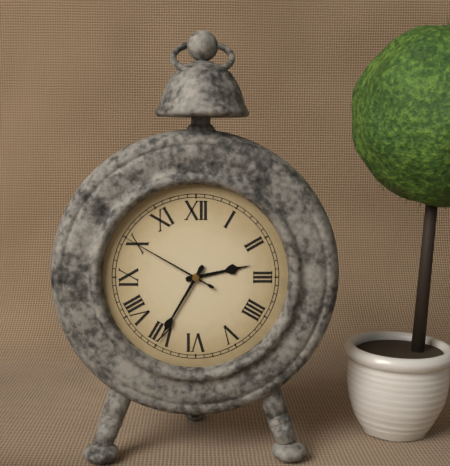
2:35:50
